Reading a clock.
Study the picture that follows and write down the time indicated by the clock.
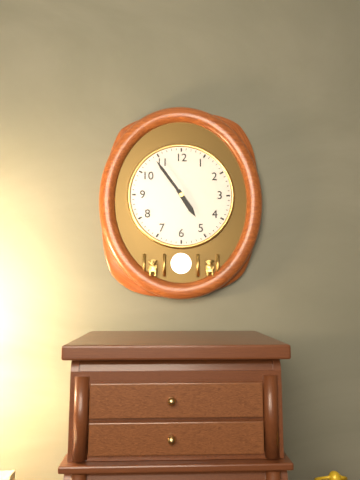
4:54
